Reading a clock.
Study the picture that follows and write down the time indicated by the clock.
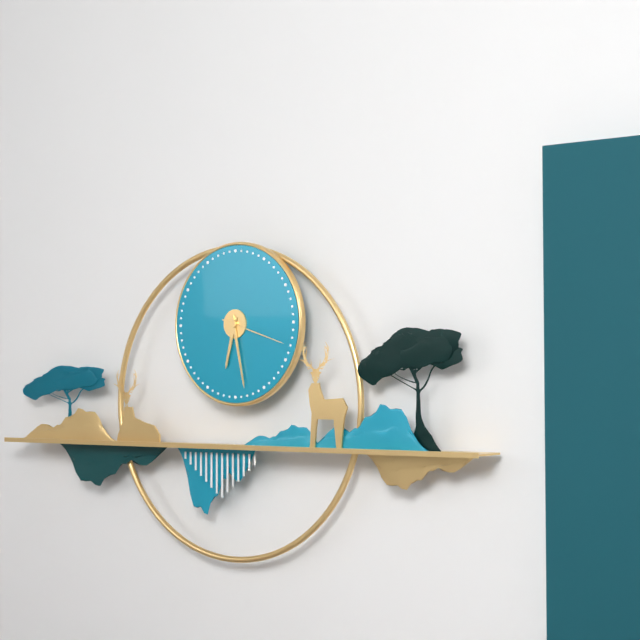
6:28:18
